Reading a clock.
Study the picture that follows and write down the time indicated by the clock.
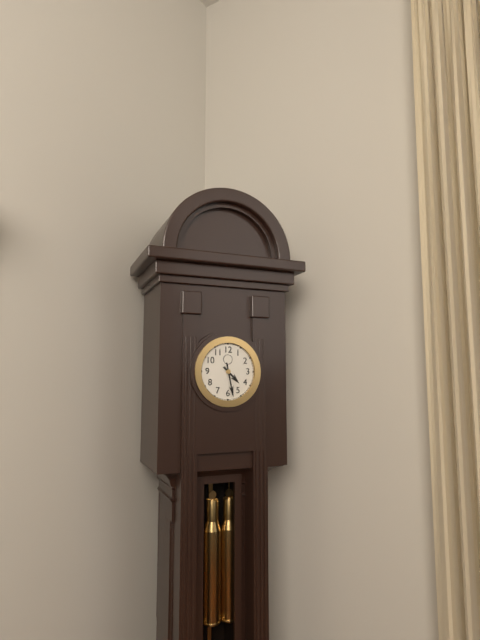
4:28
